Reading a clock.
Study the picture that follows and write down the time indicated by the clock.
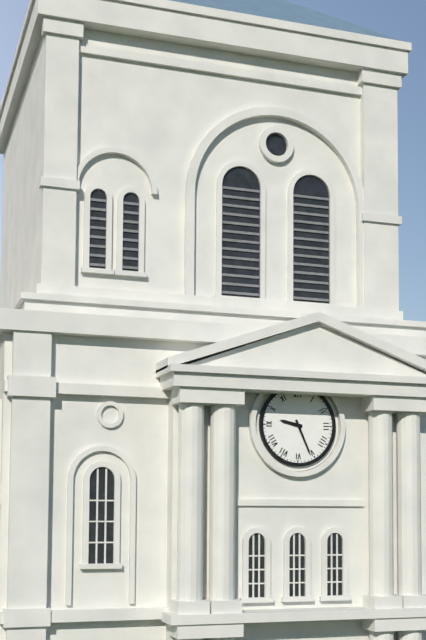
9:26
